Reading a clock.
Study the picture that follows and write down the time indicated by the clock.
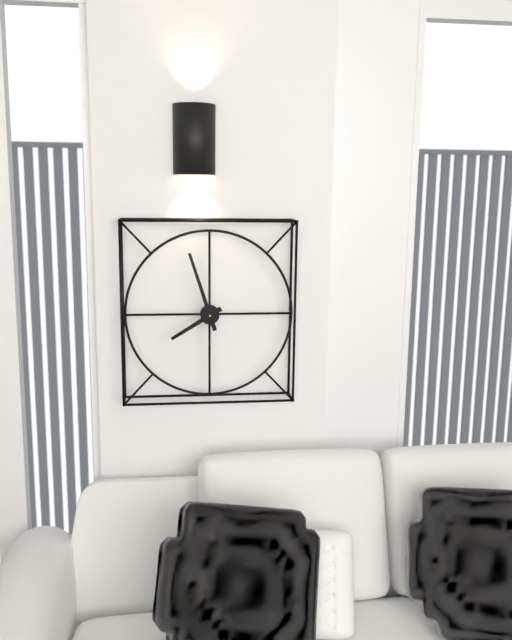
7:57
